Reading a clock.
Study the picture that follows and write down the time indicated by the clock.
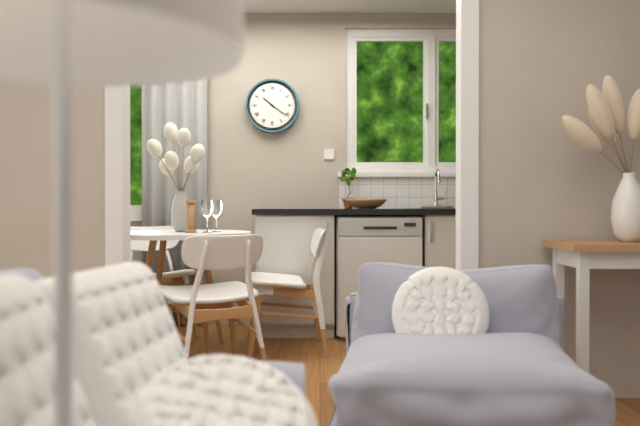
10:21
